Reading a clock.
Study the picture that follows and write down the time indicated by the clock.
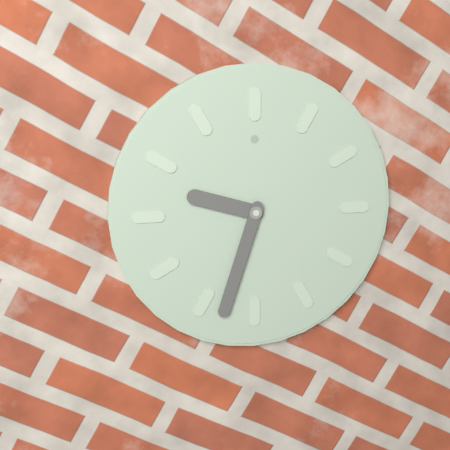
9:33
